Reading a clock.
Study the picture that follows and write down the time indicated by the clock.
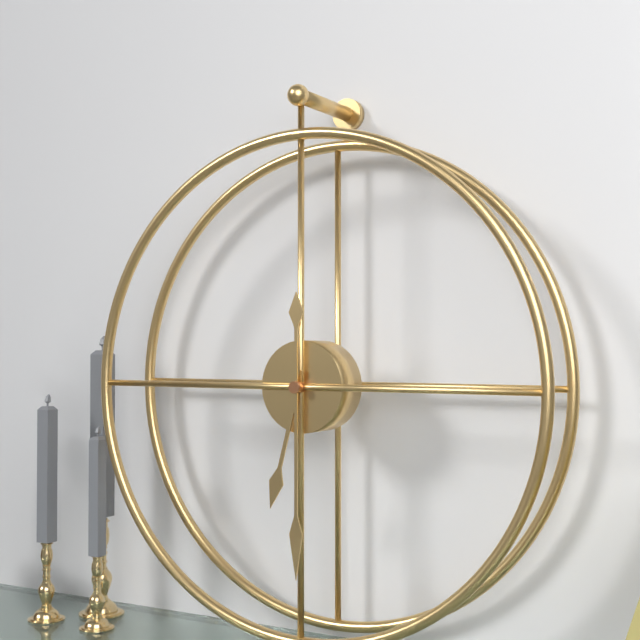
6:30
